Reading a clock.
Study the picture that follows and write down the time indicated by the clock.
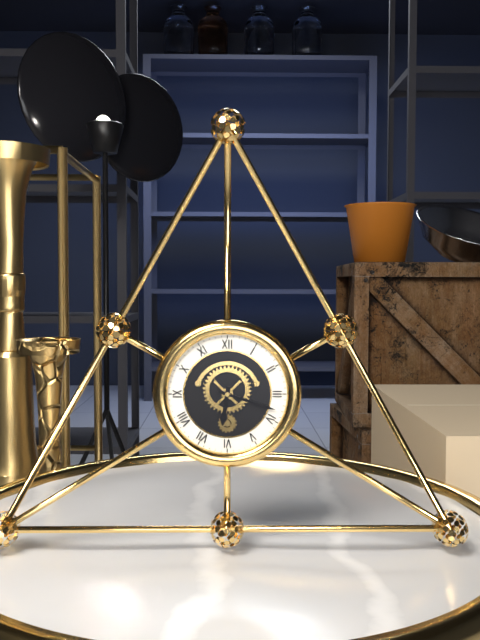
6:18
